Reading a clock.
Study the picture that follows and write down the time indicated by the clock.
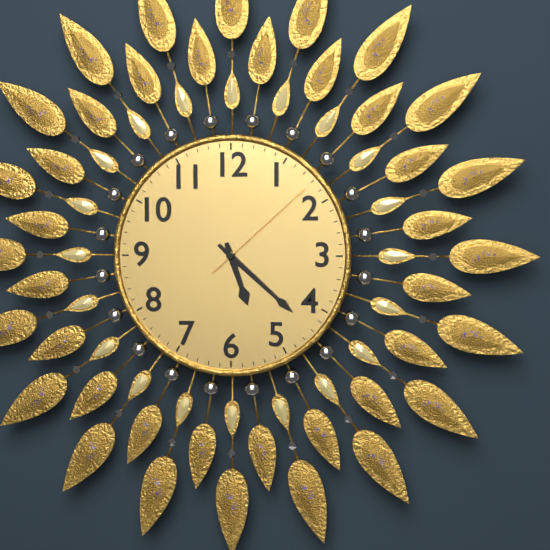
5:22:08
